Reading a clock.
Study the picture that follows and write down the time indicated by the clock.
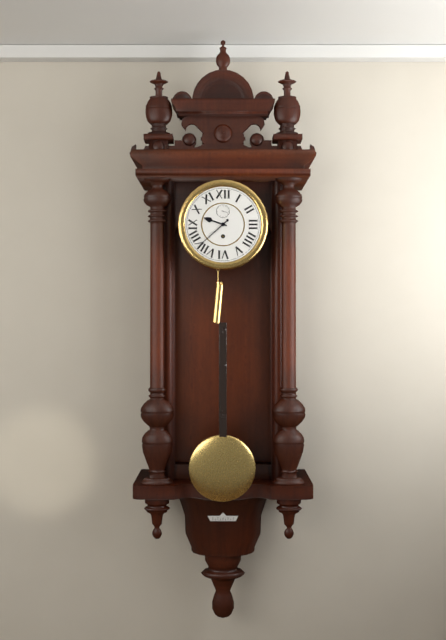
9:38
